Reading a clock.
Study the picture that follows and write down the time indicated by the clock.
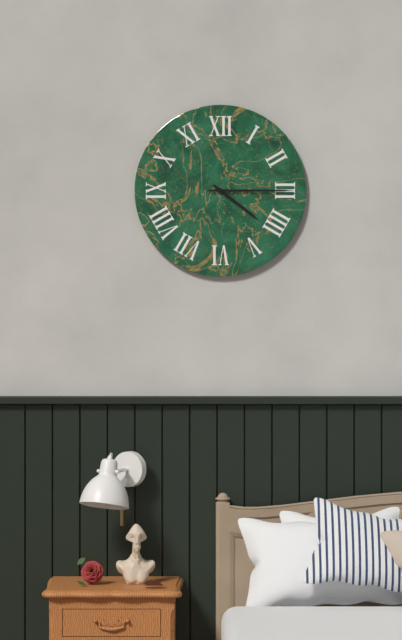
4:15
